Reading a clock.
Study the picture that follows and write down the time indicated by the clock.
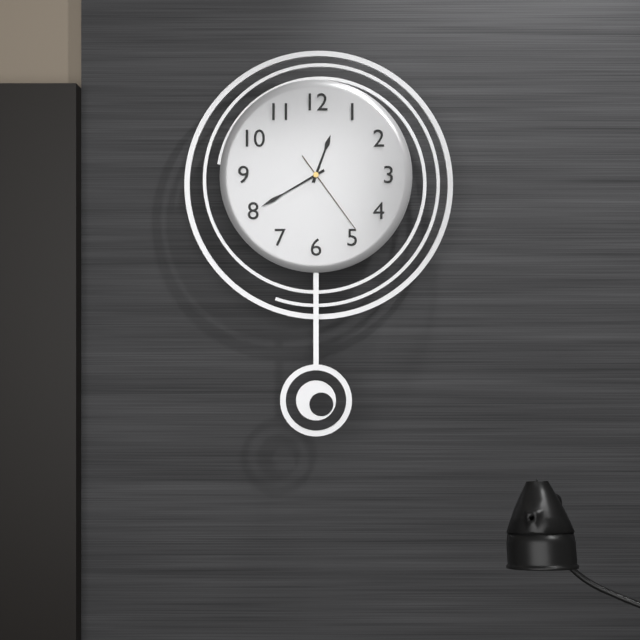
12:40:24
